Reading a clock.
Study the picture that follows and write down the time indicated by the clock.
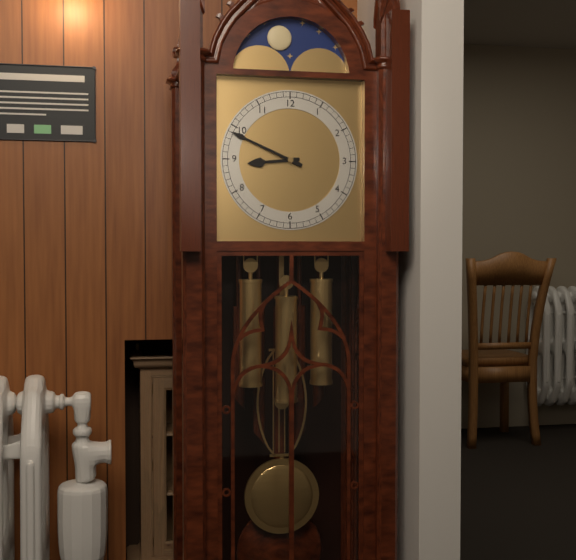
8:49
